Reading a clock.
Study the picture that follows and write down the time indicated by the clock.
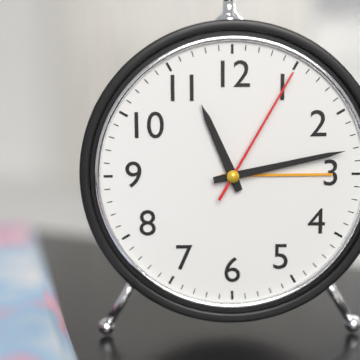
11:13:05
